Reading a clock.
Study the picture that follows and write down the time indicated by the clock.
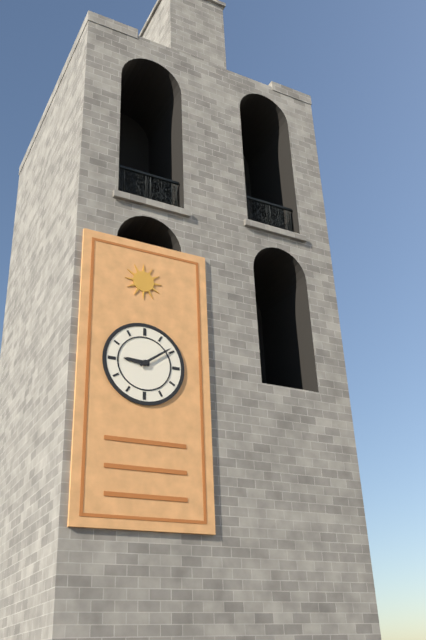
9:09
